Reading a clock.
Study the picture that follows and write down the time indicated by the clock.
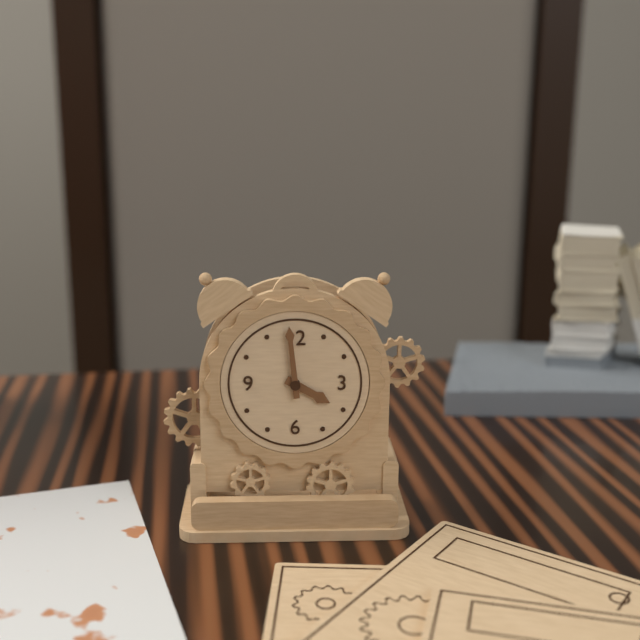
3:59
